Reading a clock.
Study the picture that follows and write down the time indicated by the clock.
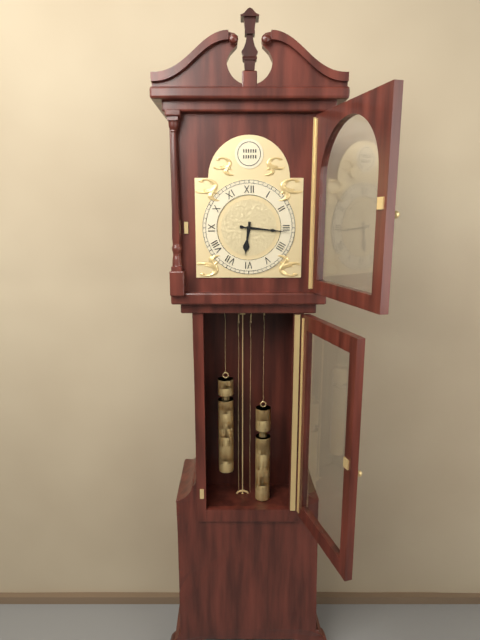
6:16
